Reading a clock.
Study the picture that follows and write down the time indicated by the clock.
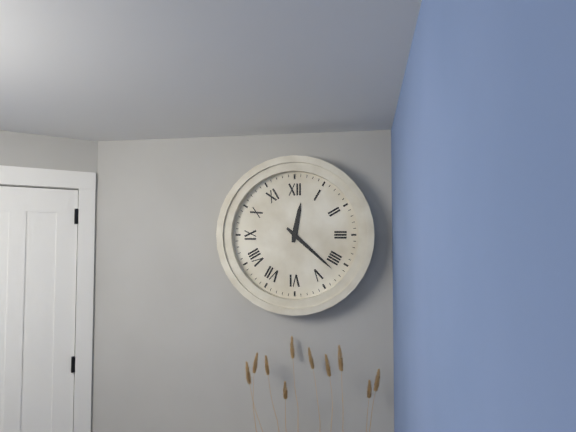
12:22
